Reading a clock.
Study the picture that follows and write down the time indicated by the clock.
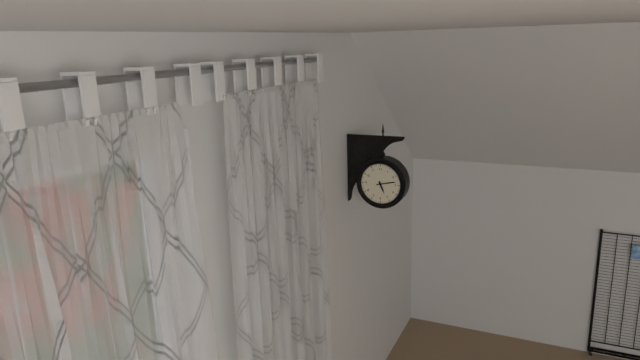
5:13
